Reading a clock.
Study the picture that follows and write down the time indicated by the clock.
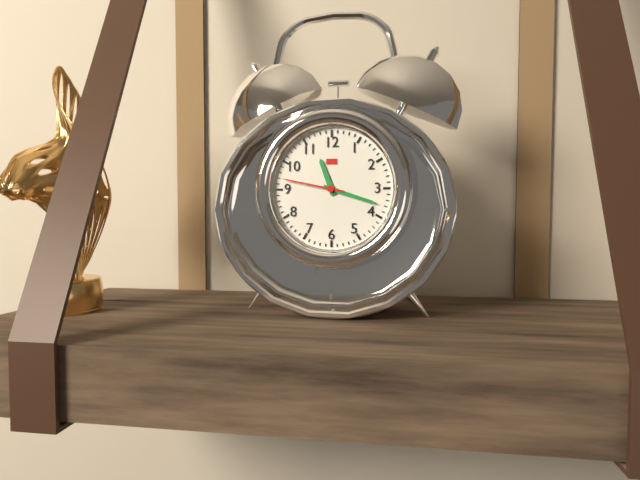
11:18:47
